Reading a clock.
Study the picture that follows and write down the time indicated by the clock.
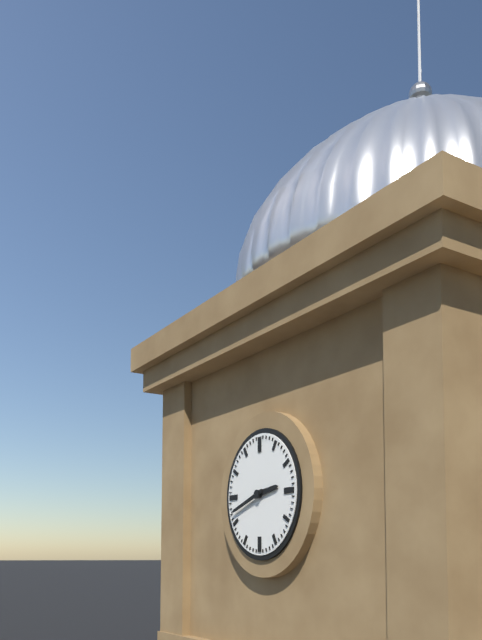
2:42
